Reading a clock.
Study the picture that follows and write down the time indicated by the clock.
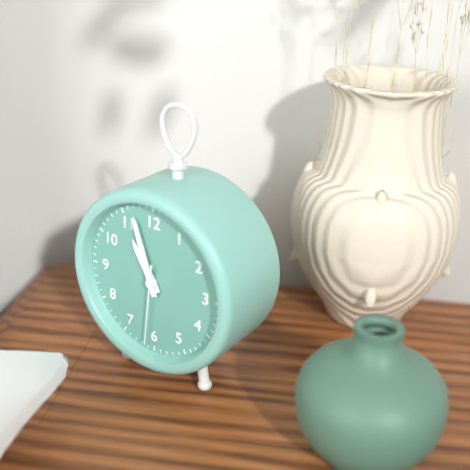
10:57:31
